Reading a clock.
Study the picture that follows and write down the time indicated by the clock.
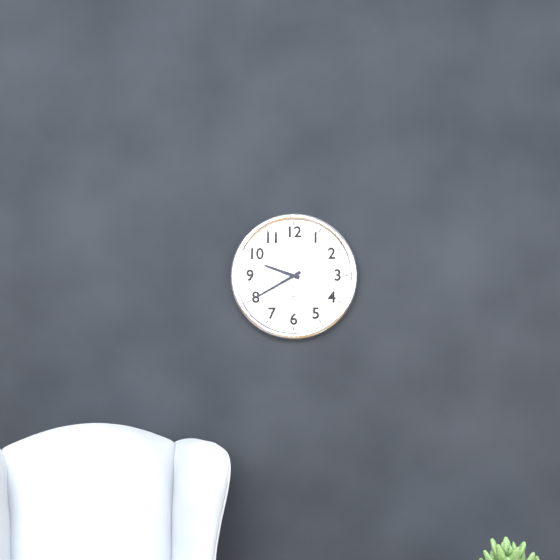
9:40
